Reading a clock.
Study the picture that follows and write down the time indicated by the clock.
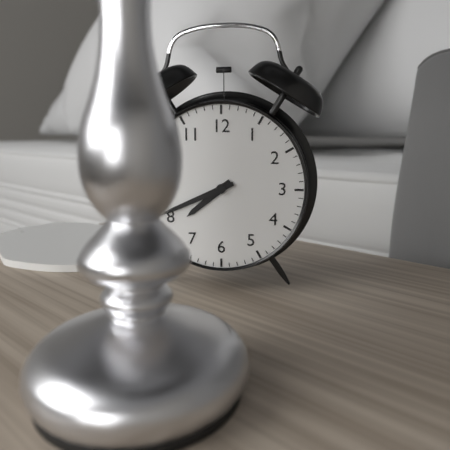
7:41
